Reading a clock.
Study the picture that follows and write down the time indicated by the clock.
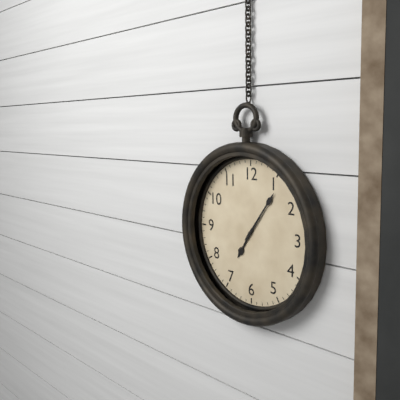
7:06
